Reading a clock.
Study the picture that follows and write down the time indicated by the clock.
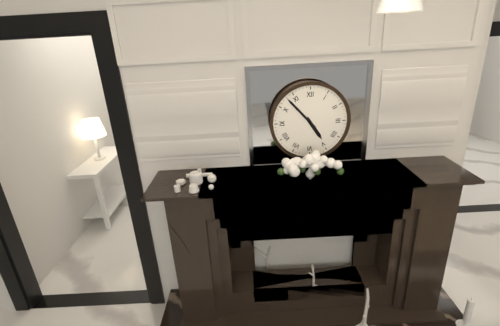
4:53
